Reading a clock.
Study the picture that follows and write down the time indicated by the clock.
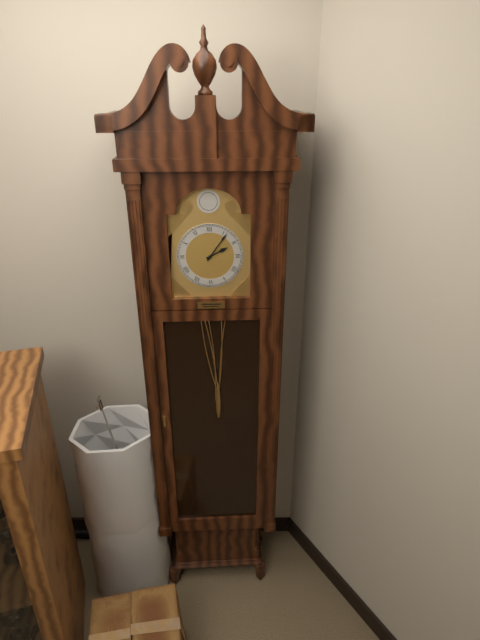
2:06
